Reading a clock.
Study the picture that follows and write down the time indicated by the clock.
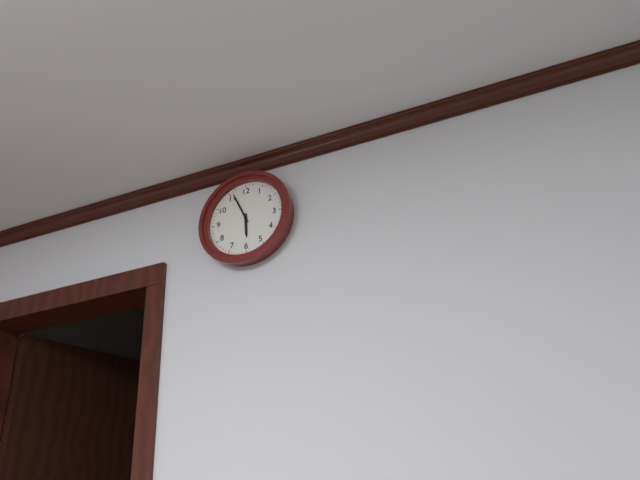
5:56
